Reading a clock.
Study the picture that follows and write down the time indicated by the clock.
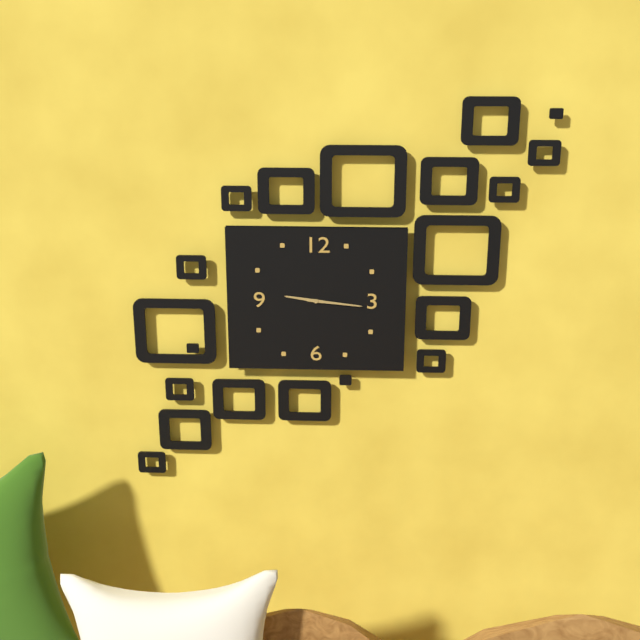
9:16
